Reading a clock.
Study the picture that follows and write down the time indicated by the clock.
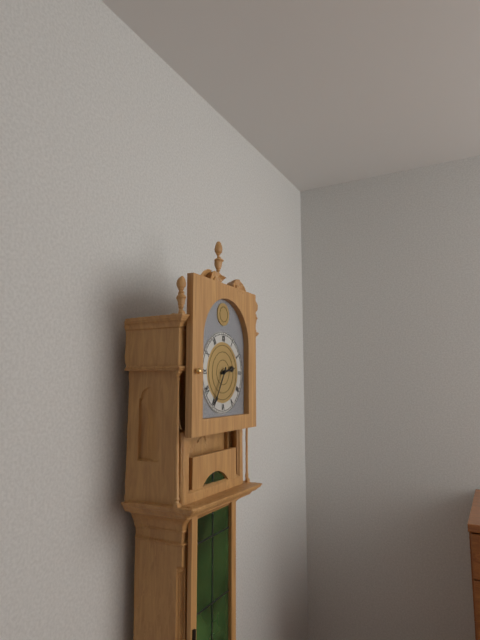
2:35
